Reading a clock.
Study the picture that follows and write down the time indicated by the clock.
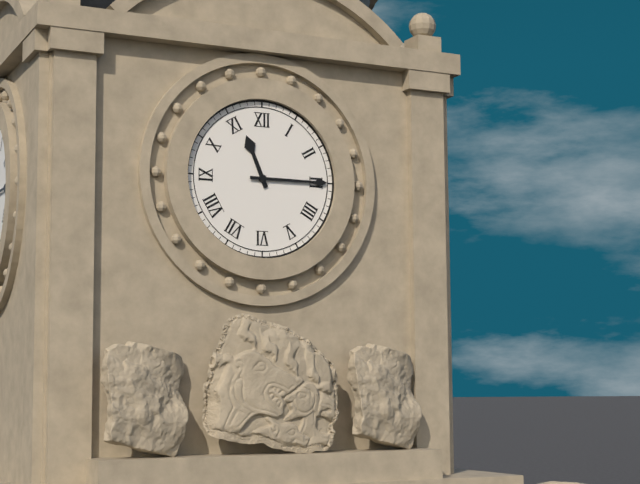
11:15
